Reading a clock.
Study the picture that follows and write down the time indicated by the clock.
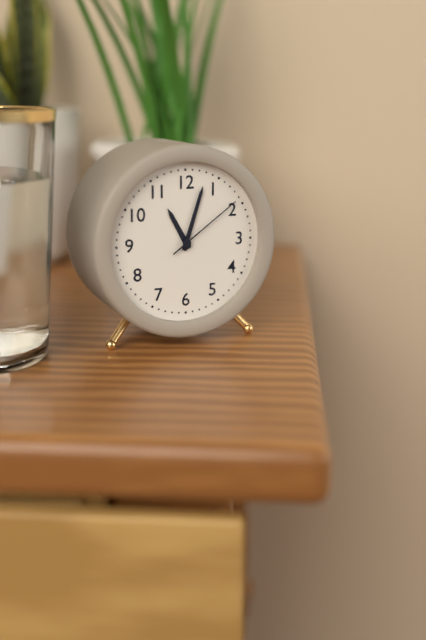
11:03:09
